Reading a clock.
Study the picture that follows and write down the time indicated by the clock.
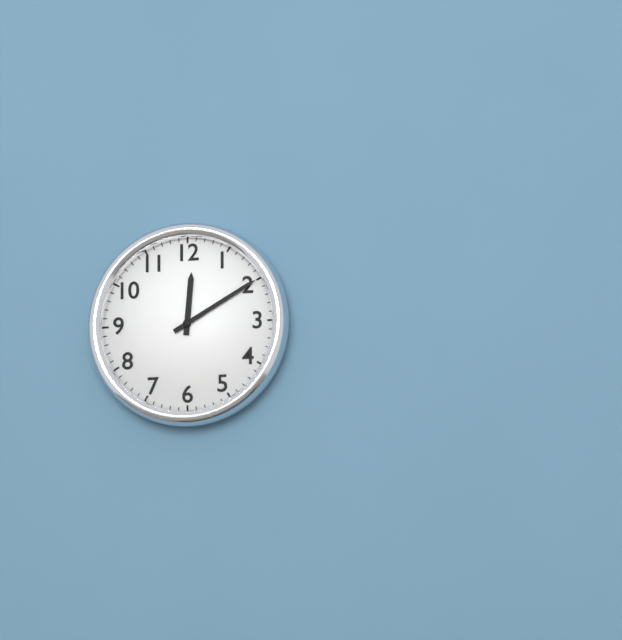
12:10
